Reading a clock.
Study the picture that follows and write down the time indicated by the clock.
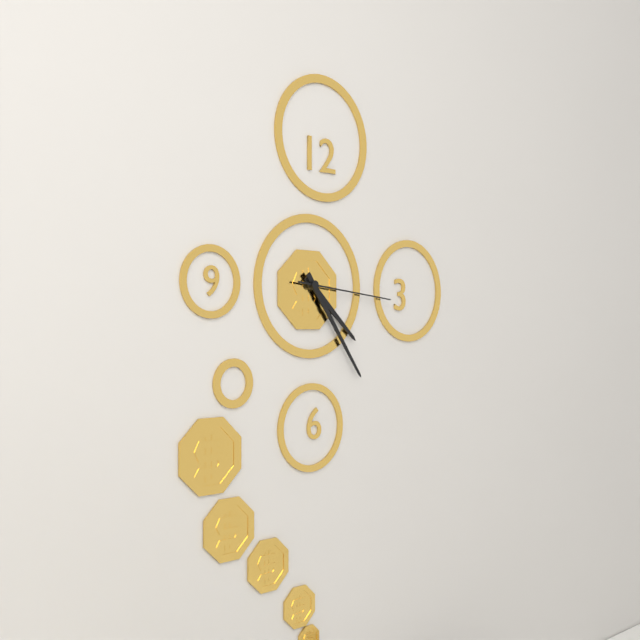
4:24:16
